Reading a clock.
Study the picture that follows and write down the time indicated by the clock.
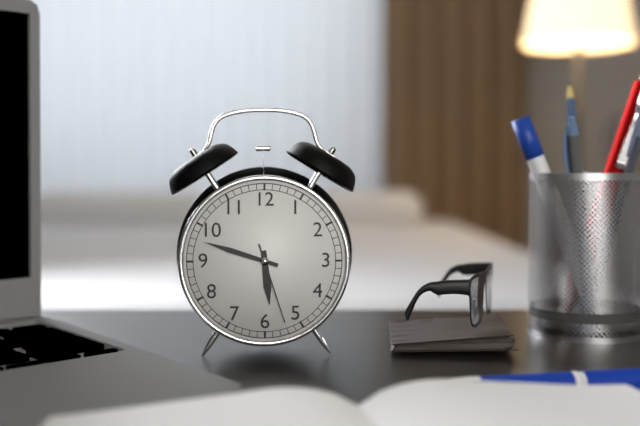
5:48:27
